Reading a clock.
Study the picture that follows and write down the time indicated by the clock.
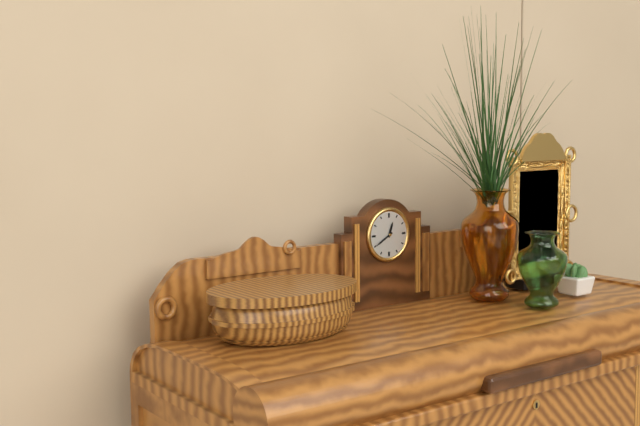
12:40
